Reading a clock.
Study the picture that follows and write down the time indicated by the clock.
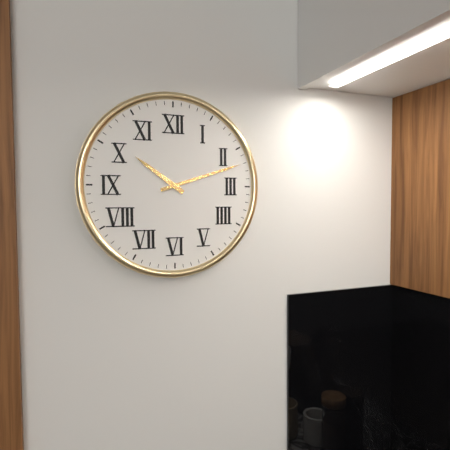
10:12
